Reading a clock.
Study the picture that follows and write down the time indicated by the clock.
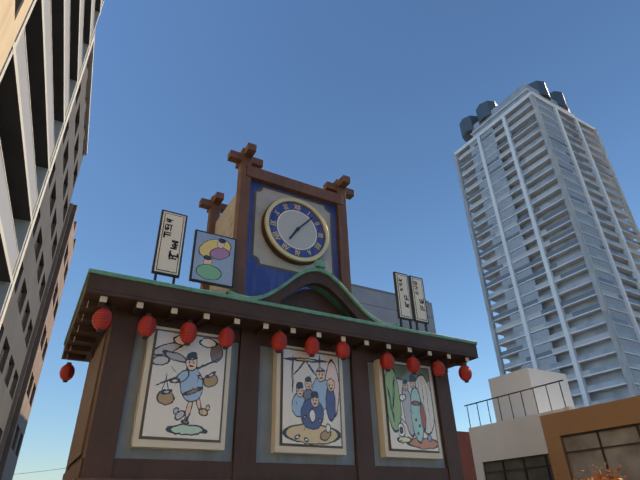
7:07
